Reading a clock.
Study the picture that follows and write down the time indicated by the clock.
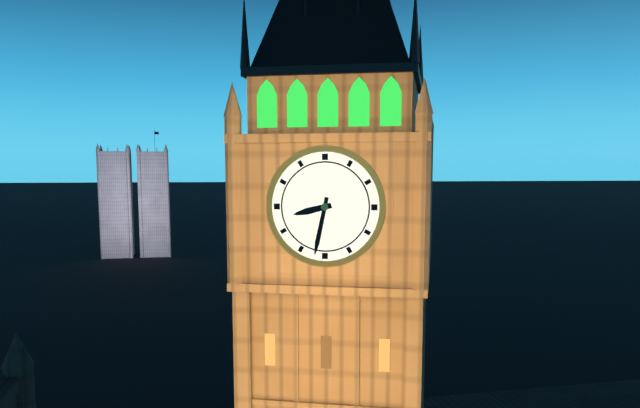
8:32
